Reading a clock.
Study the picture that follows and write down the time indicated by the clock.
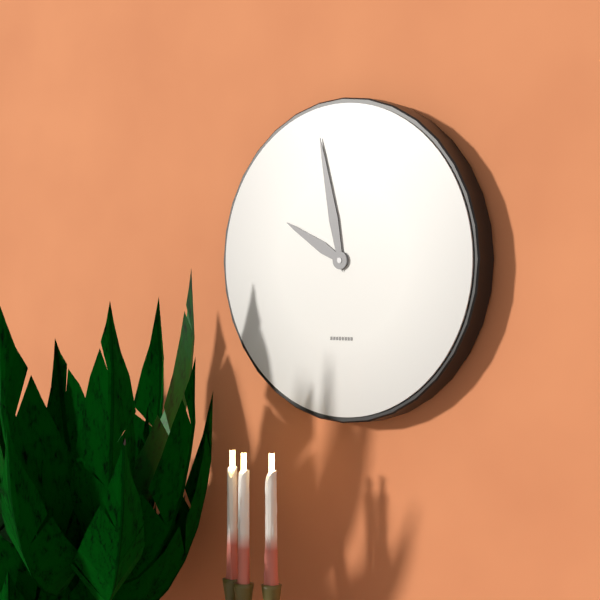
9:58
